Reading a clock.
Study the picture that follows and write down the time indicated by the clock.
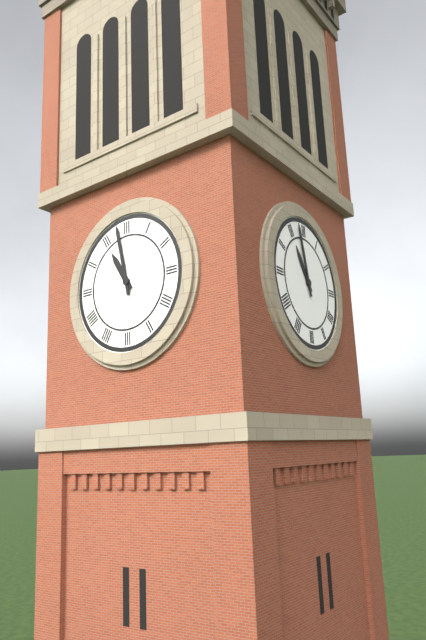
10:58
